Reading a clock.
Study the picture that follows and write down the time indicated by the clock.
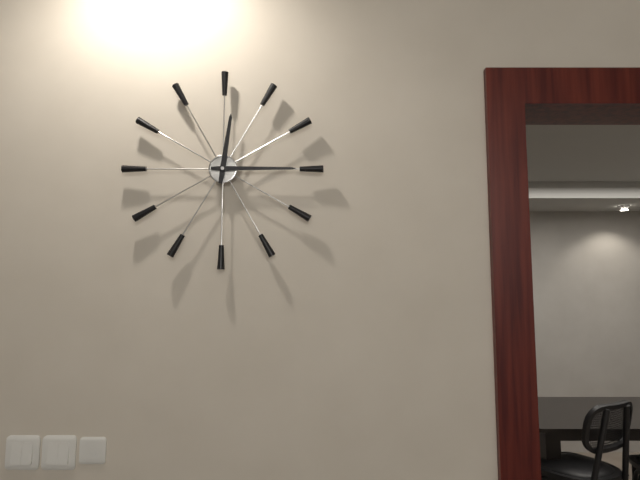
12:15
